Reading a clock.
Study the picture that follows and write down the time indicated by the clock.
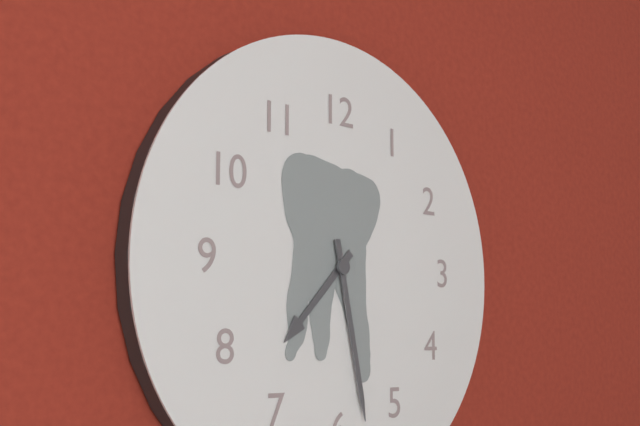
7:28
